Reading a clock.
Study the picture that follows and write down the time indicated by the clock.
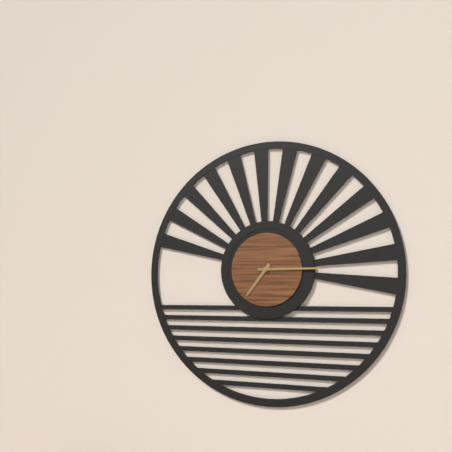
7:15
